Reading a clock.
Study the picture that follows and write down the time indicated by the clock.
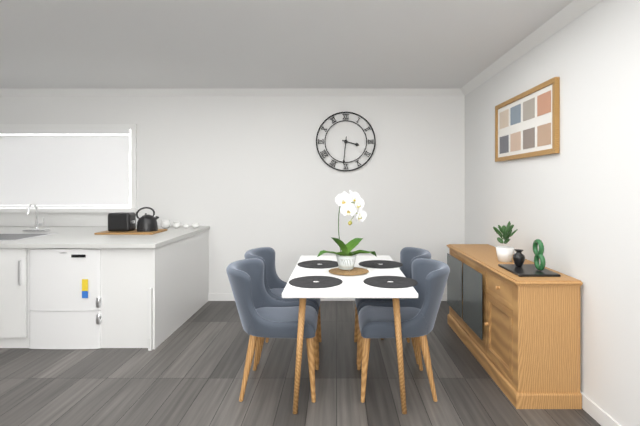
3:31
